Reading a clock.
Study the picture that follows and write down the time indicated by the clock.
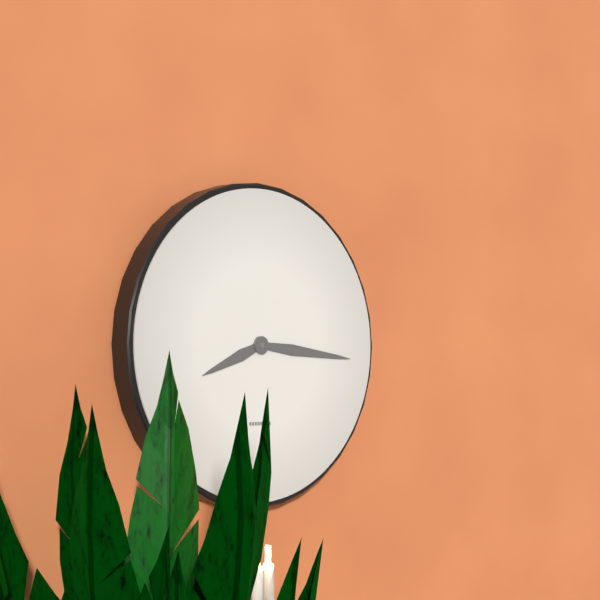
8:16
